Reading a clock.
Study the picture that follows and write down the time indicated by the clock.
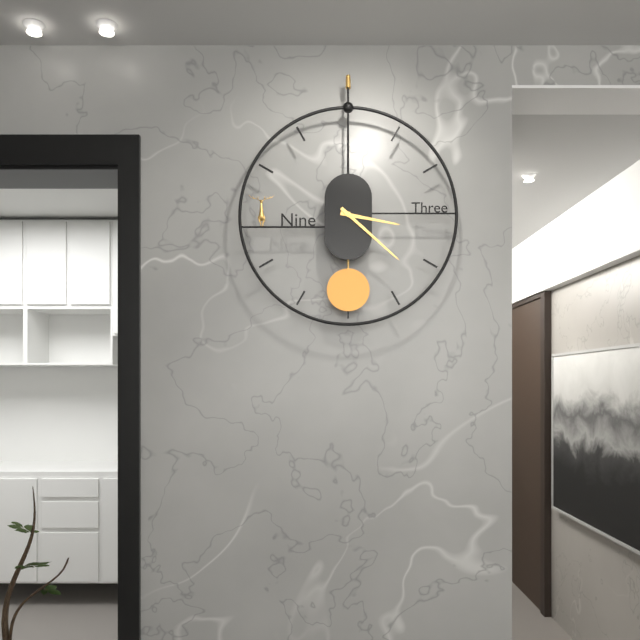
3:22
